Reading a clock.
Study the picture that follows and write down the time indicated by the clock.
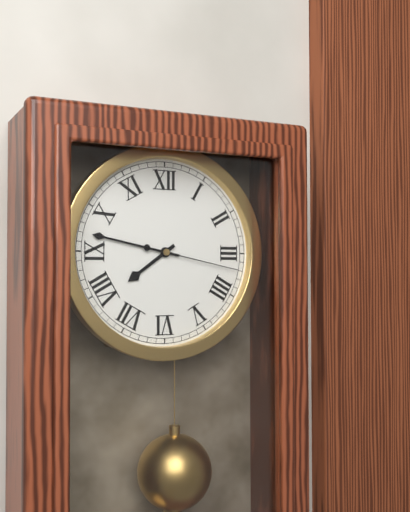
7:47:17
